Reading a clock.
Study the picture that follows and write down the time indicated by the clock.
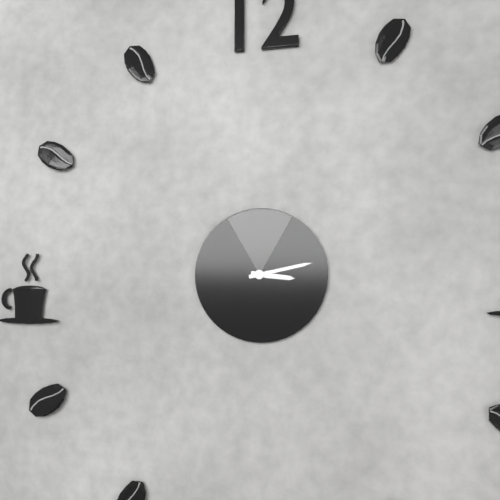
3:13
